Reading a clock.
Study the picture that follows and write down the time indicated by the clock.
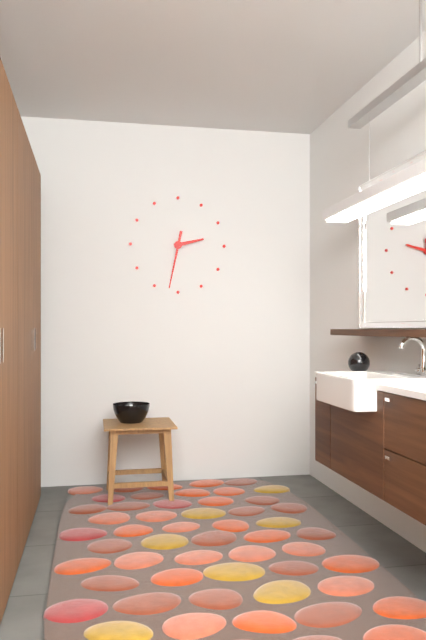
2:32
